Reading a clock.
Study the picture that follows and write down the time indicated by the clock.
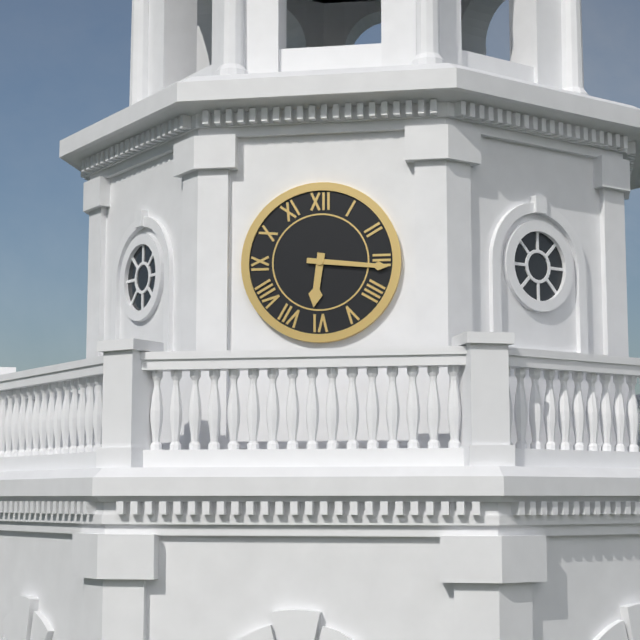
6:16
